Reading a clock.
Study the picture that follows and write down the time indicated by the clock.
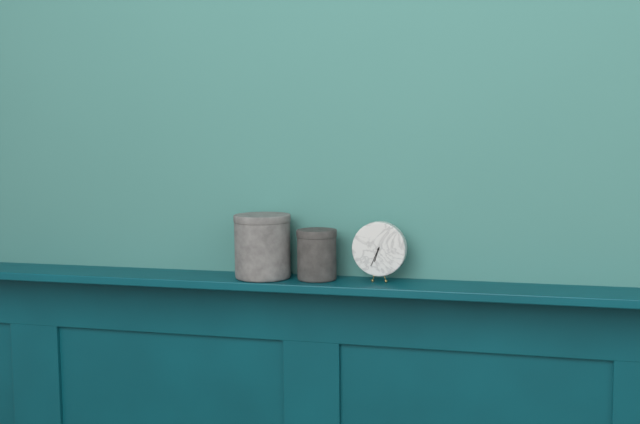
6:34
